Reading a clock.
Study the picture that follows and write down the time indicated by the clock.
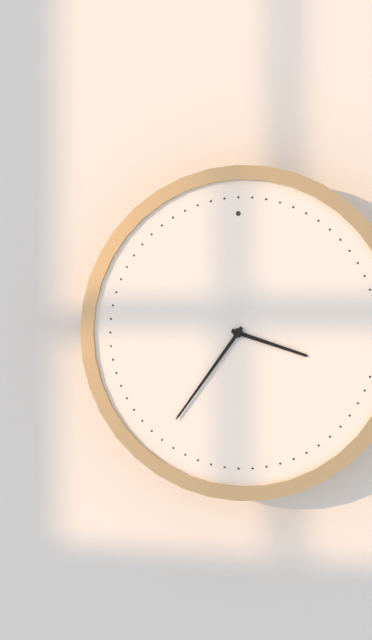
3:36
